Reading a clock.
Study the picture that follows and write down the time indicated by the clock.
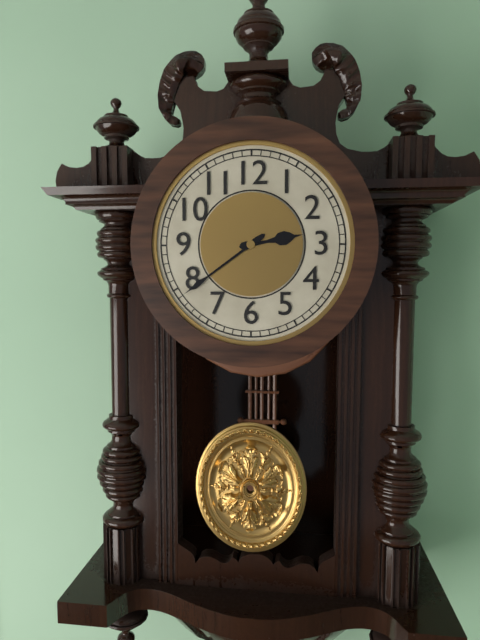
2:39
